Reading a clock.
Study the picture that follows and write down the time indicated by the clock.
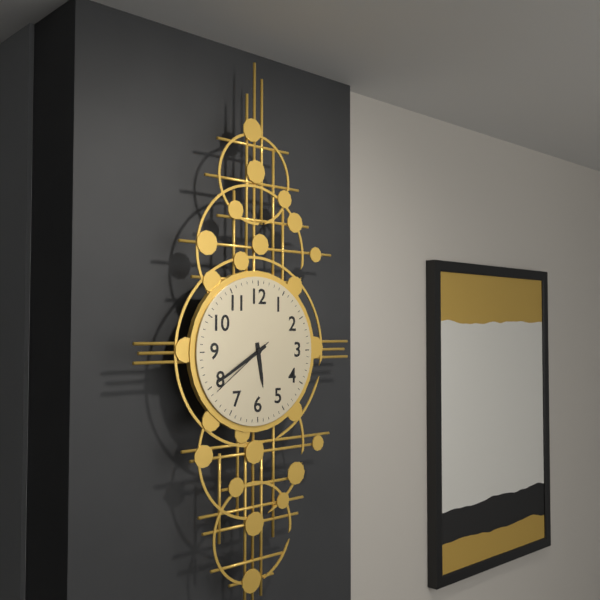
5:40:39
